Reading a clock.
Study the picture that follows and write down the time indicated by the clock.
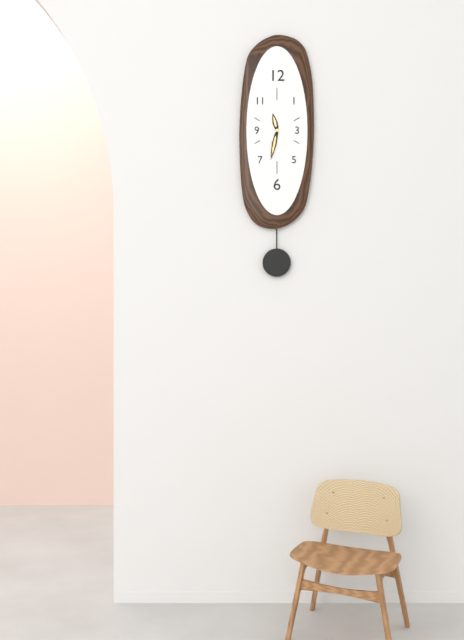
11:32
